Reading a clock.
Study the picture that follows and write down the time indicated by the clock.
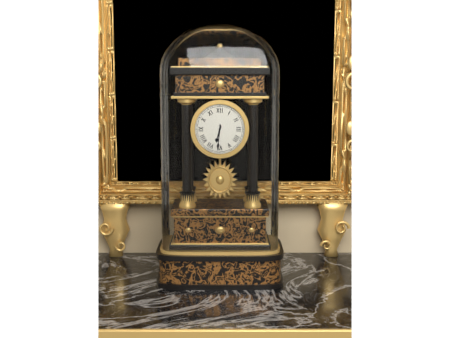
6:31
